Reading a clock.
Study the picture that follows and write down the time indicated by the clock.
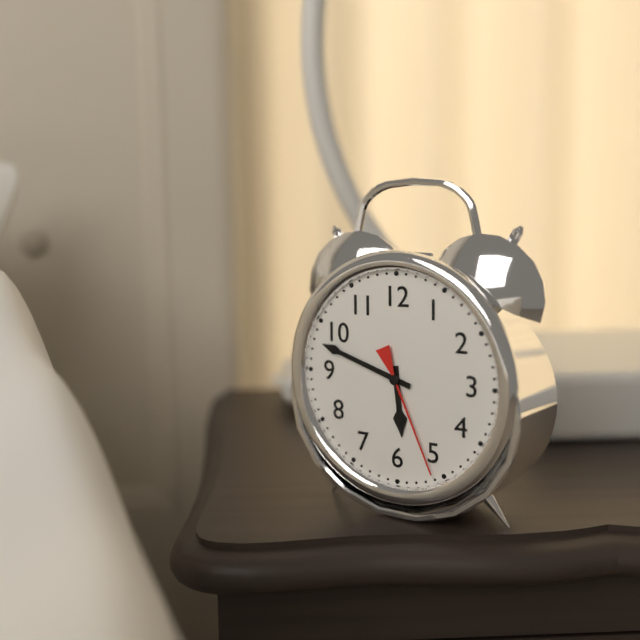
5:48:26
